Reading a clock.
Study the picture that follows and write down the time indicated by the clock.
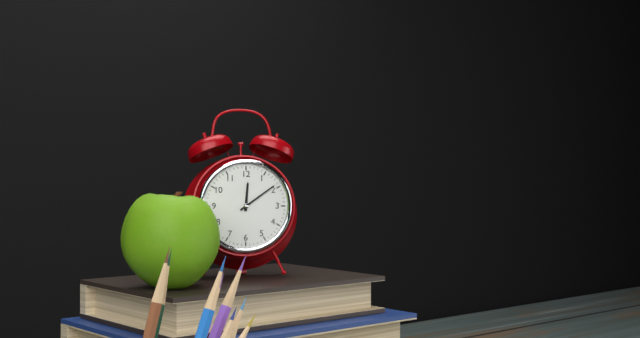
12:09
